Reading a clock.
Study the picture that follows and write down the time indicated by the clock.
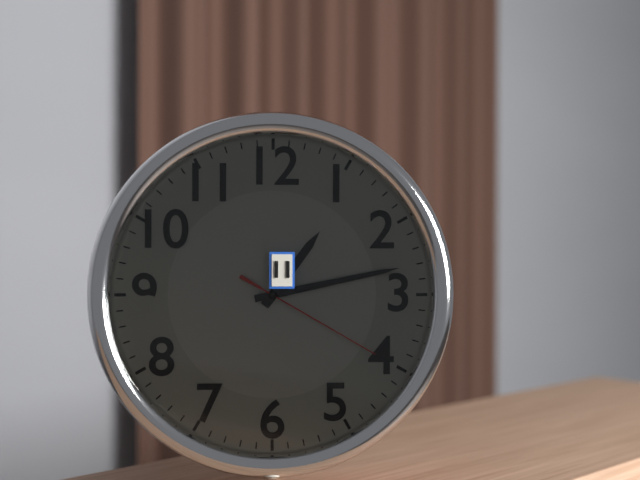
1:13:20
